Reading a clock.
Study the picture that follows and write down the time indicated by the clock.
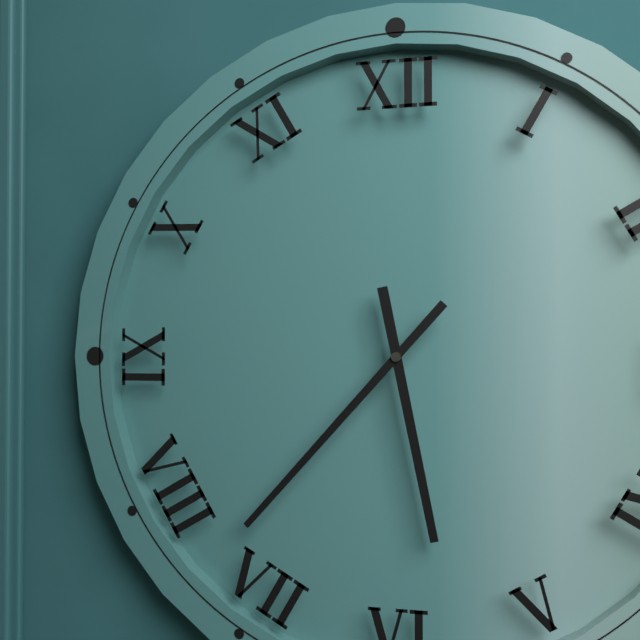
5:37
